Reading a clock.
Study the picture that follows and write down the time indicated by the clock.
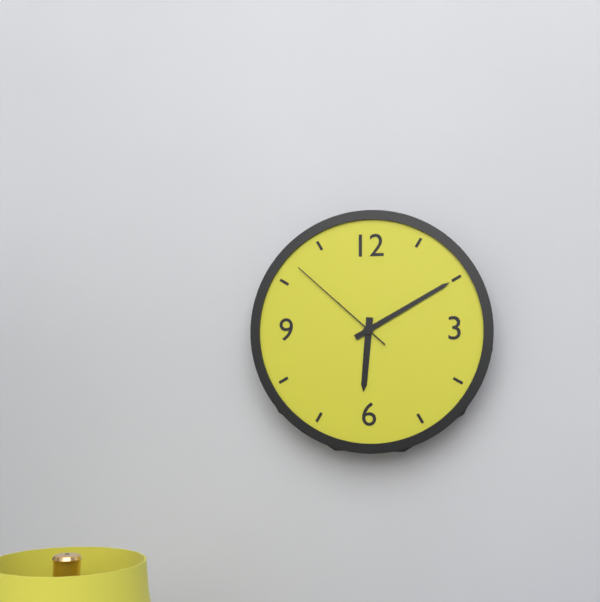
6:10:52
